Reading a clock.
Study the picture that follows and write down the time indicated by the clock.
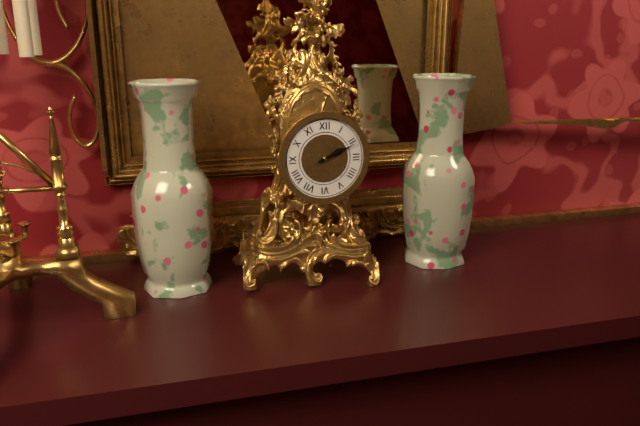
2:11
